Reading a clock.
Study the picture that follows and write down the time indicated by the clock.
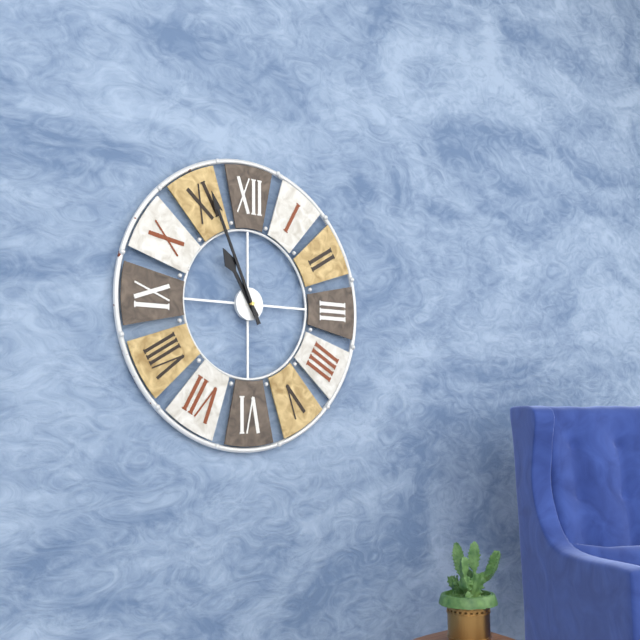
10:56
